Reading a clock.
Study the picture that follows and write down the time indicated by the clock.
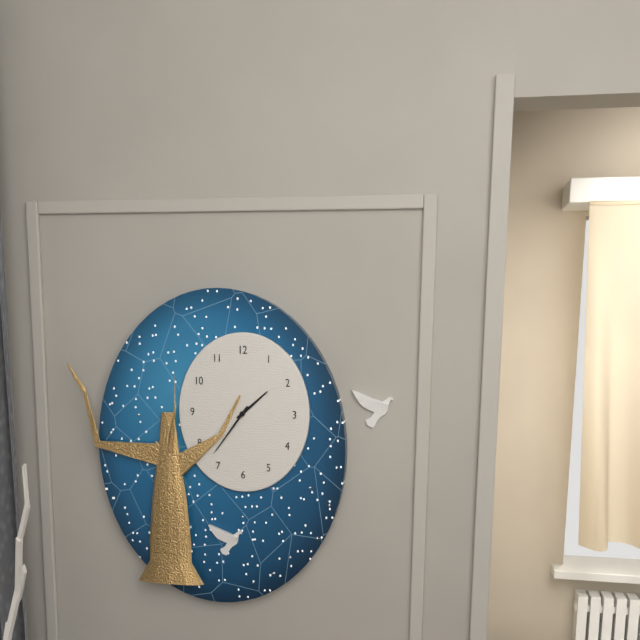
1:36
